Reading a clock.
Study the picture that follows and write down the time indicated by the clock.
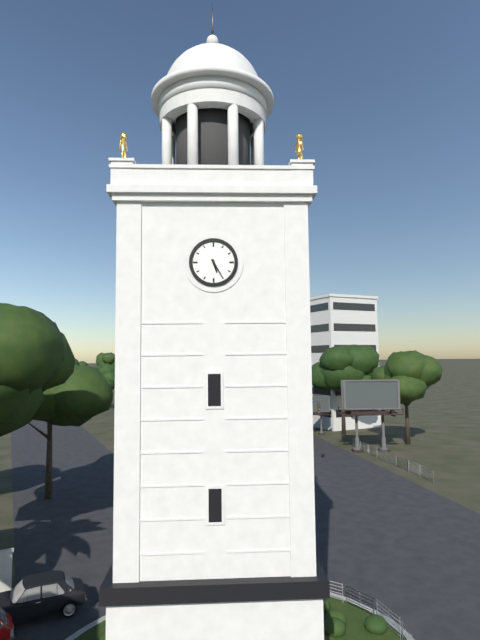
5:25
